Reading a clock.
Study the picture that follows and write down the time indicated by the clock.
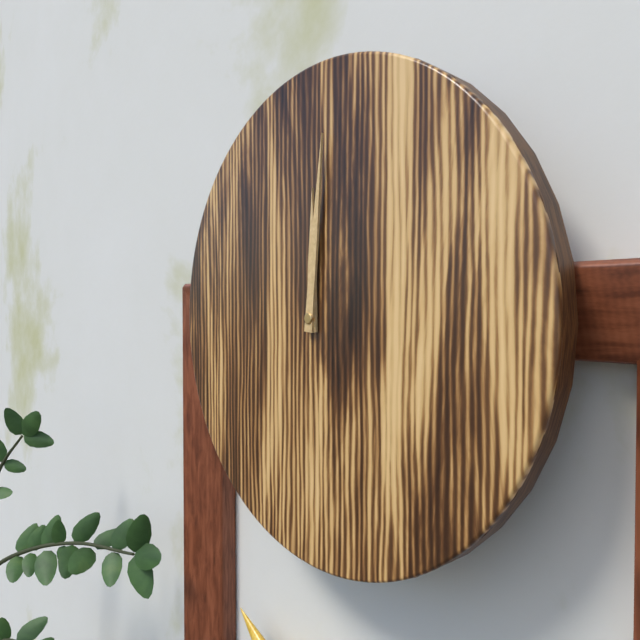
12:01
